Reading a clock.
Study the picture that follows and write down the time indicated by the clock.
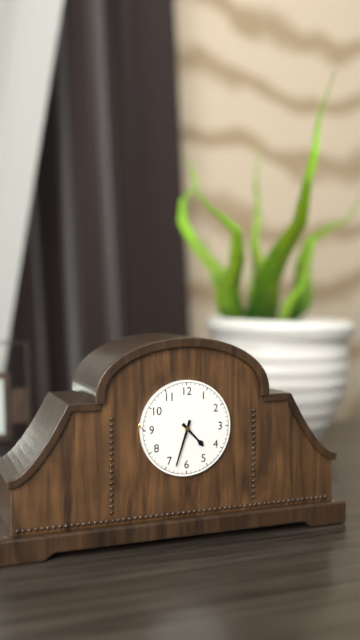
4:33
